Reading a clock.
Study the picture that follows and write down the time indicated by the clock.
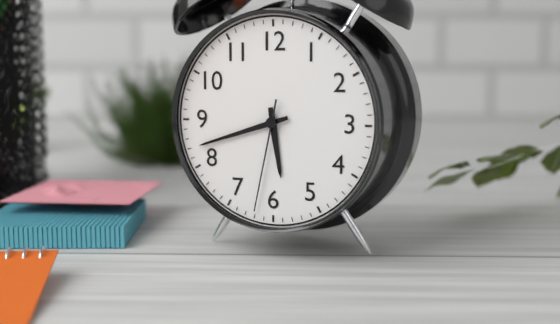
5:42:32
